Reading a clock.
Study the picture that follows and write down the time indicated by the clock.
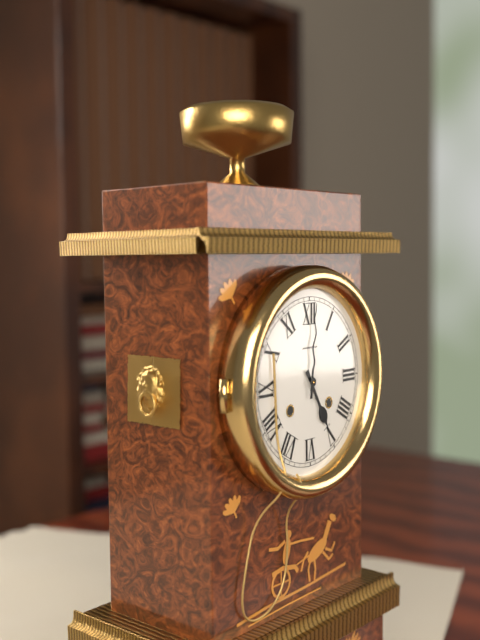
5:01
